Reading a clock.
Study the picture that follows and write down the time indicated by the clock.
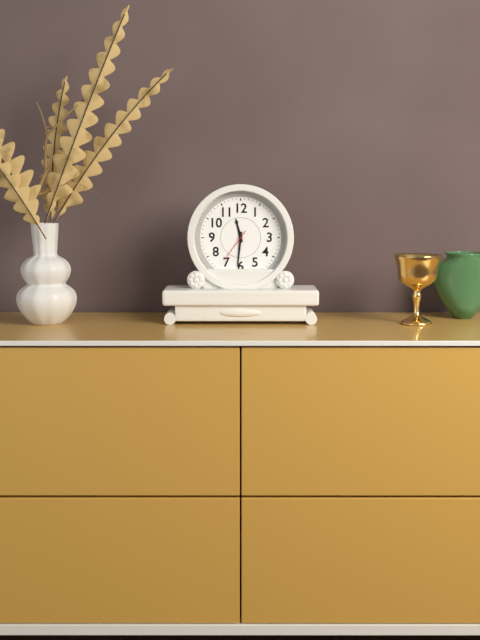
11:31
